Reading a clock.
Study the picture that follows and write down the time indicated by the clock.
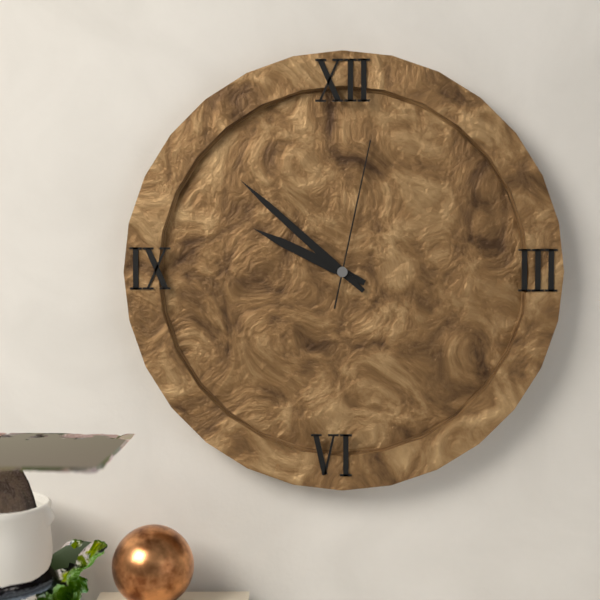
9:52:02
